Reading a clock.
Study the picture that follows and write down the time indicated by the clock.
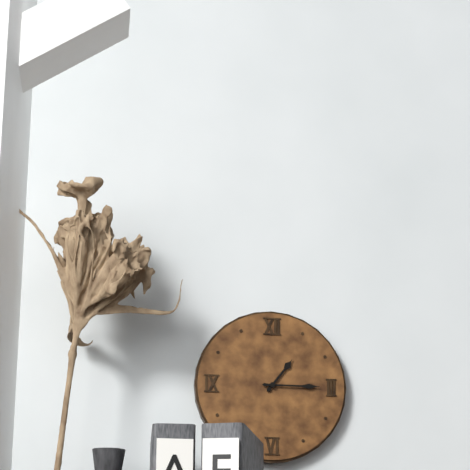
1:15
